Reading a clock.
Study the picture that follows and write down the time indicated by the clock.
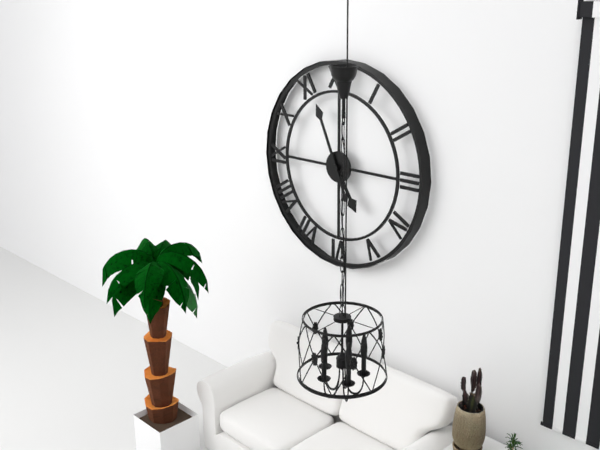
4:56
